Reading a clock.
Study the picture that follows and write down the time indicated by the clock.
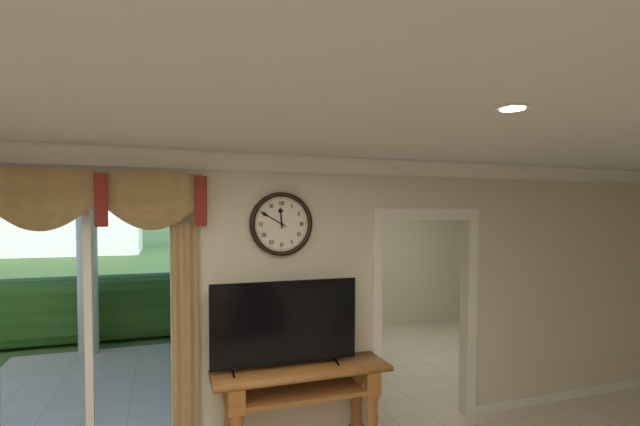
11:50
